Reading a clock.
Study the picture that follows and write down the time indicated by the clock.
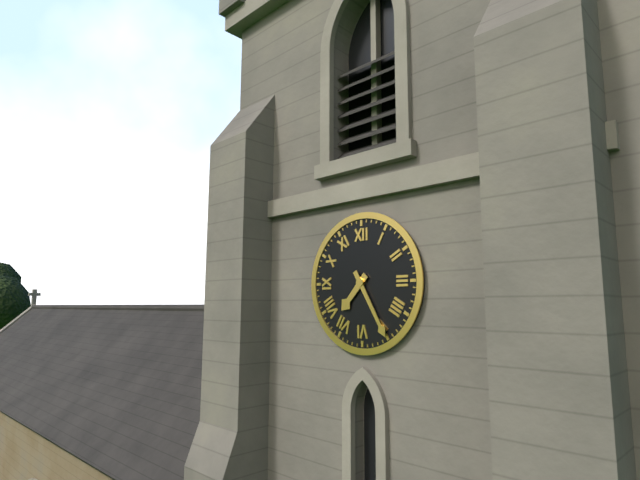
7:25
